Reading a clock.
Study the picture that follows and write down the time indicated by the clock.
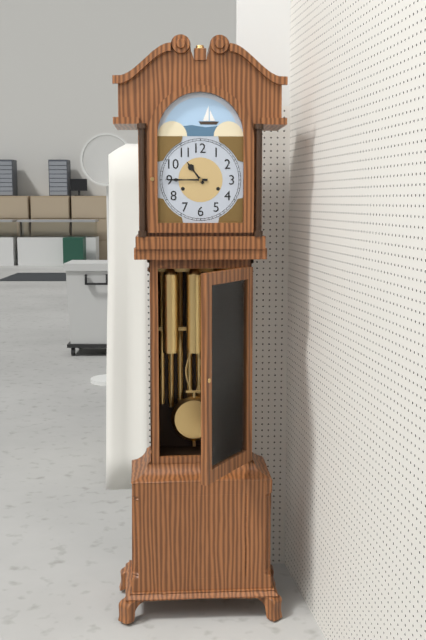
10:45
